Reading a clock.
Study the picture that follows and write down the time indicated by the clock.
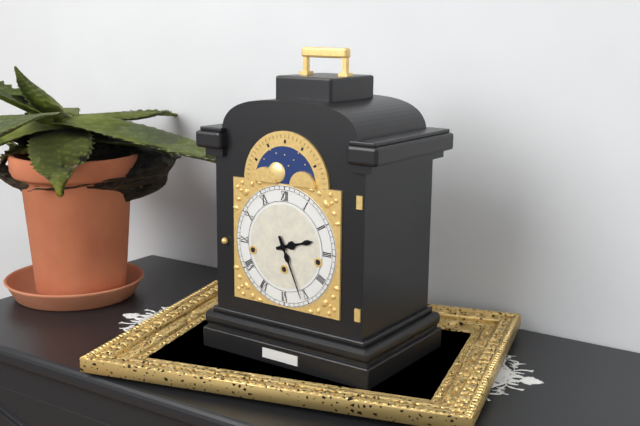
2:26
